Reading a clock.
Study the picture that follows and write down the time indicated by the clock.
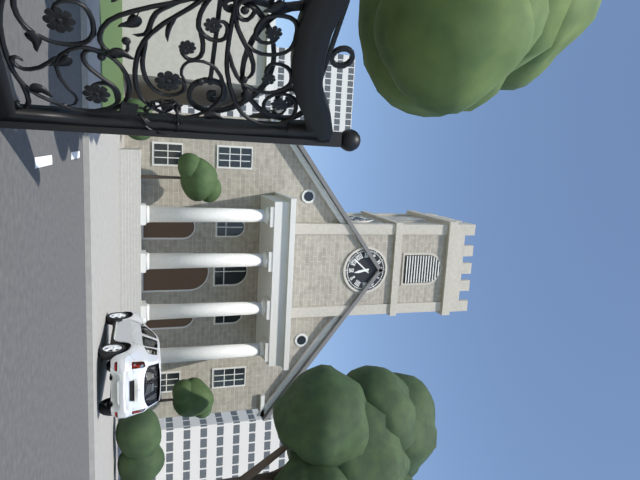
5:37
